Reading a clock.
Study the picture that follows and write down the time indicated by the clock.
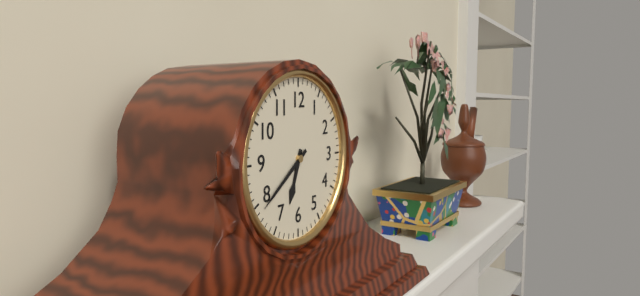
6:39
